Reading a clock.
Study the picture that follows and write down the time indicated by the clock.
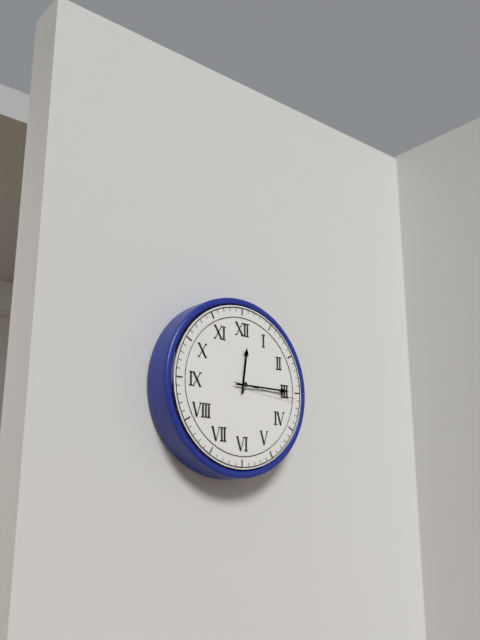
12:15:16
